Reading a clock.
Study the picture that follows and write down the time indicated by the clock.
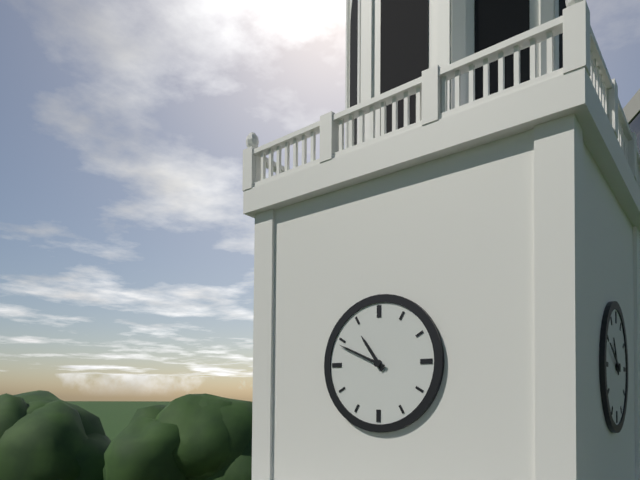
10:49
